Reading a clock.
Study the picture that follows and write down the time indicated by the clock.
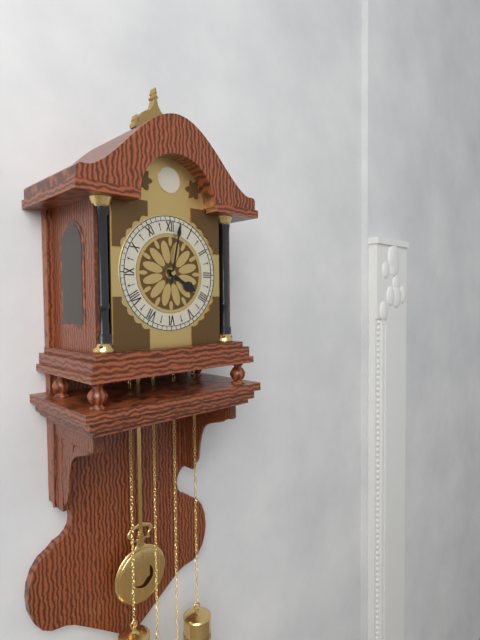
4:02
